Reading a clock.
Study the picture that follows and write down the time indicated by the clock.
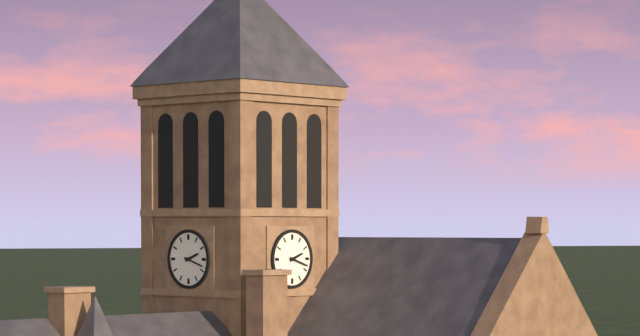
2:18
